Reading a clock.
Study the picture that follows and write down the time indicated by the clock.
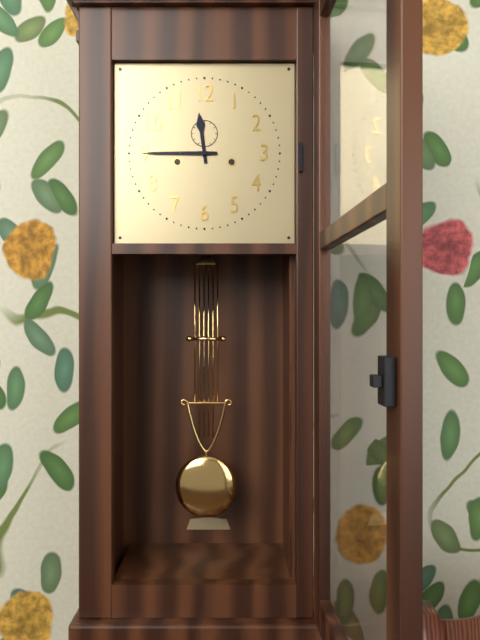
11:45
